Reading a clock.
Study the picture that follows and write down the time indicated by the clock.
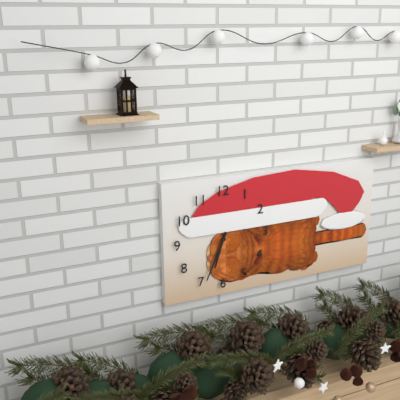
6:34
